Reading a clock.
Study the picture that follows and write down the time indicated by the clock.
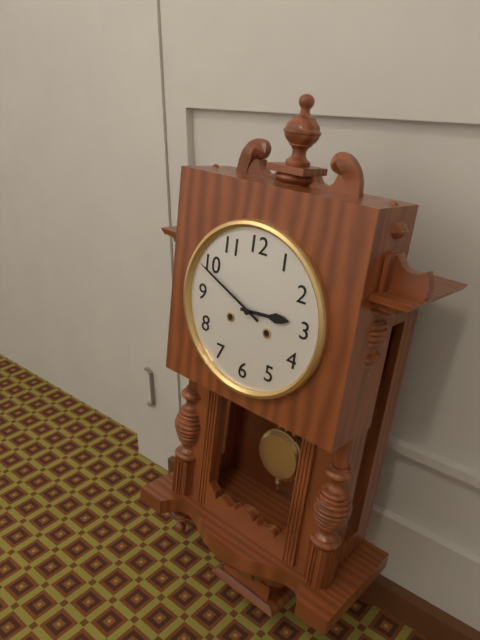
2:49
